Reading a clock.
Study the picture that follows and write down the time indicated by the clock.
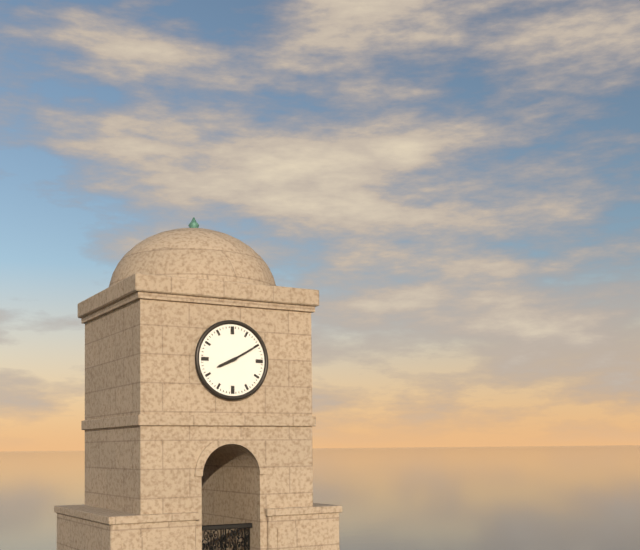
8:10
